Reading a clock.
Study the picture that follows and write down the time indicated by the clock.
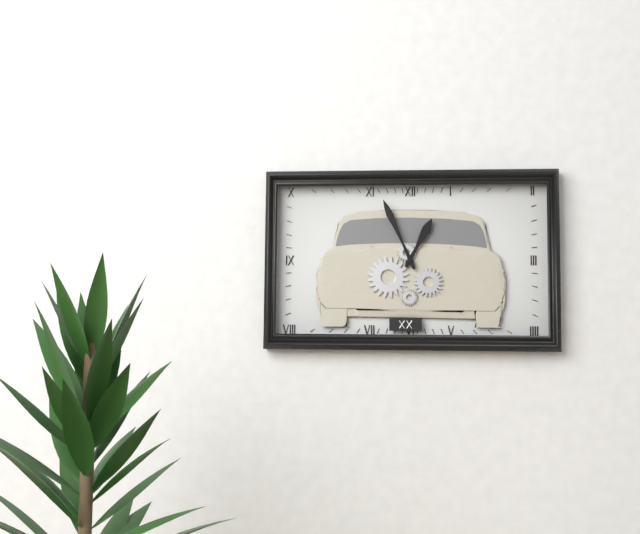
12:56
